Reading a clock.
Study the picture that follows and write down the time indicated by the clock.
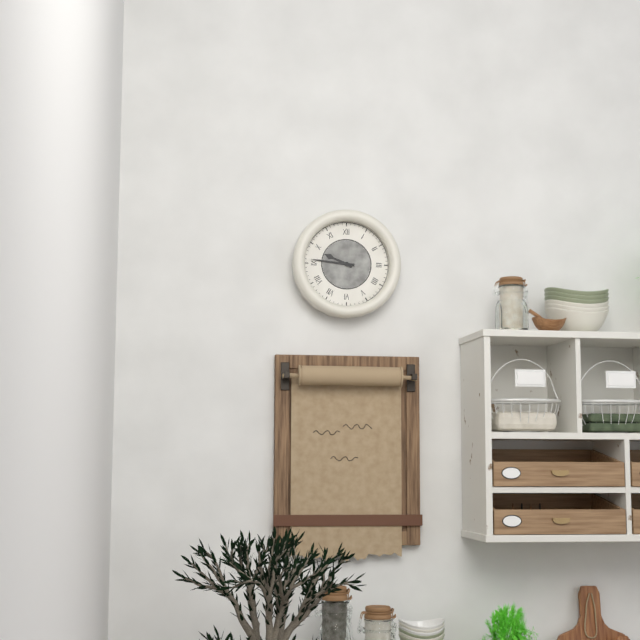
9:46
